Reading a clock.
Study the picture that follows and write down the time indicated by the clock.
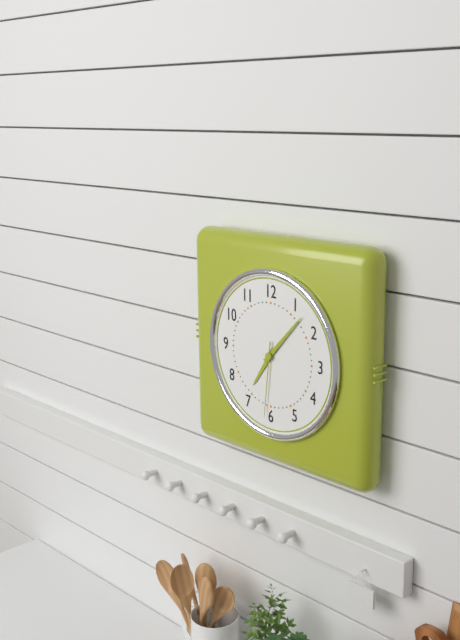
7:07:31
